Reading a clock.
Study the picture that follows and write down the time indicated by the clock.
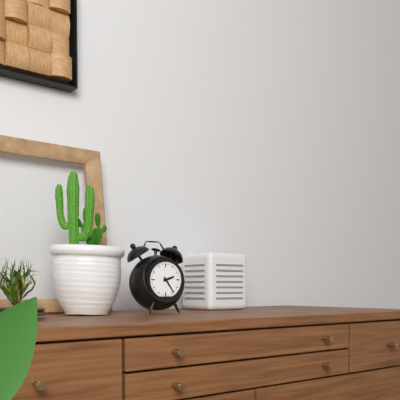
2:24
